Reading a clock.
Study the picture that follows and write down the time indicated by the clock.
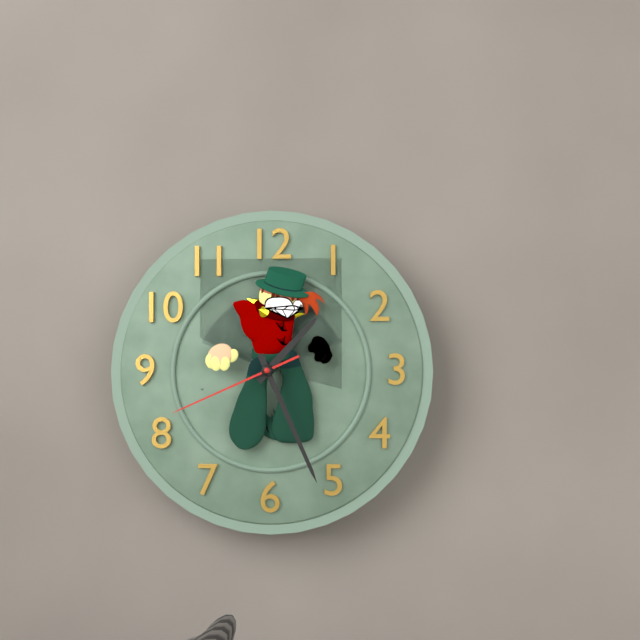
1:26:41
